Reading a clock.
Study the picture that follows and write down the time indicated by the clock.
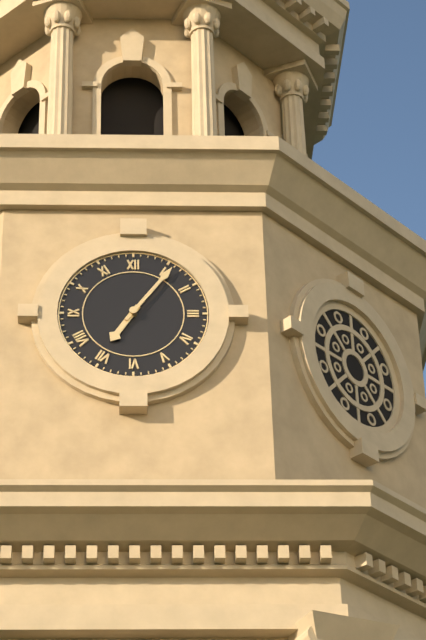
7:06
